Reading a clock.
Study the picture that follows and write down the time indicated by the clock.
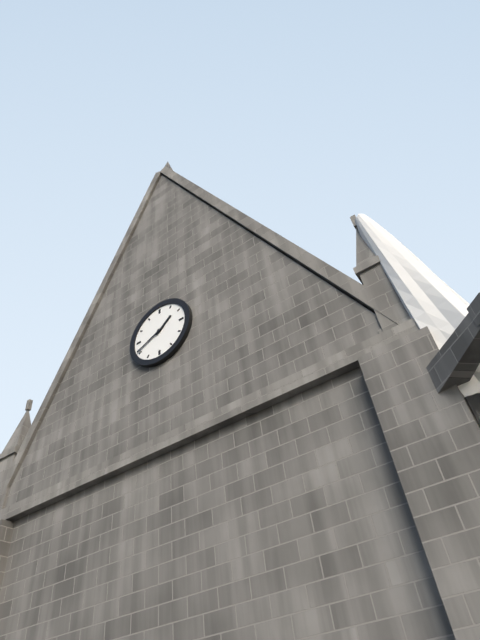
1:41
